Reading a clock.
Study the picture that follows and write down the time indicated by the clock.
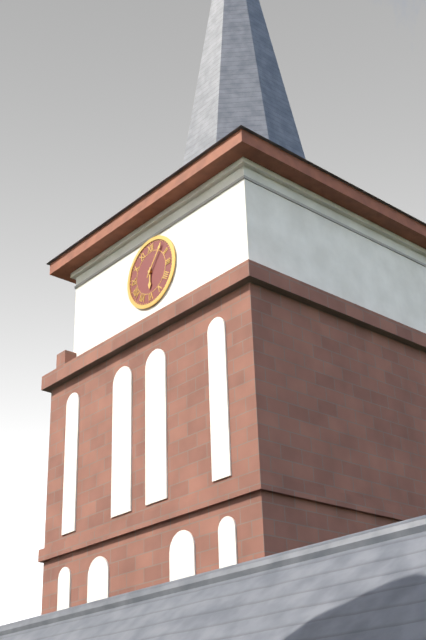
6:06
